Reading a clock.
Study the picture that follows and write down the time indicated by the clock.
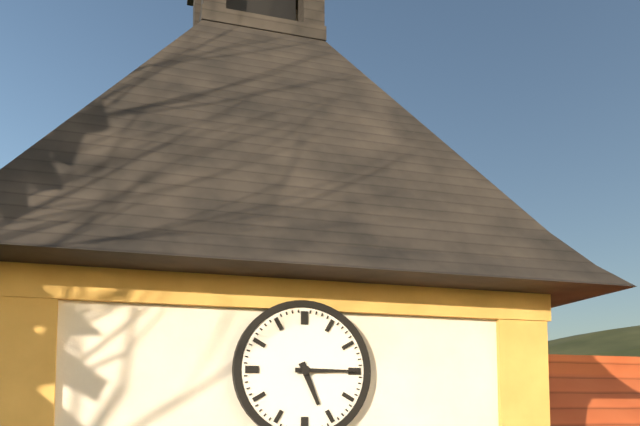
5:15
